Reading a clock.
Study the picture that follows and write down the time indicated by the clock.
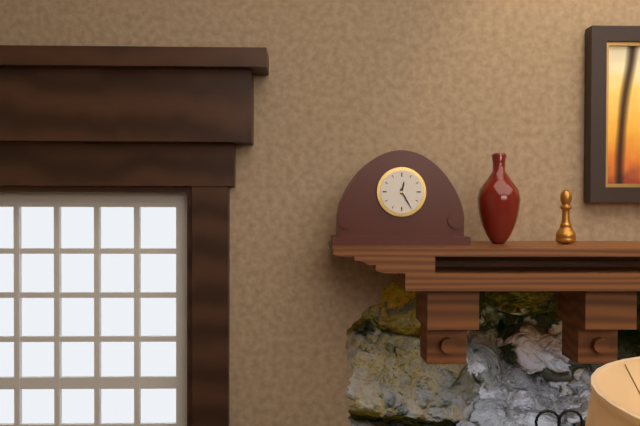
12:25
